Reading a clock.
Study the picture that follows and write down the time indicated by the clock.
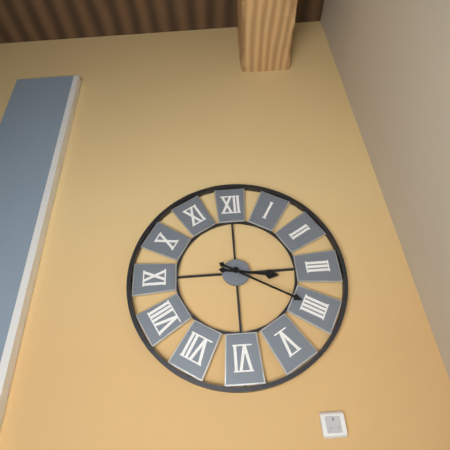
3:20
